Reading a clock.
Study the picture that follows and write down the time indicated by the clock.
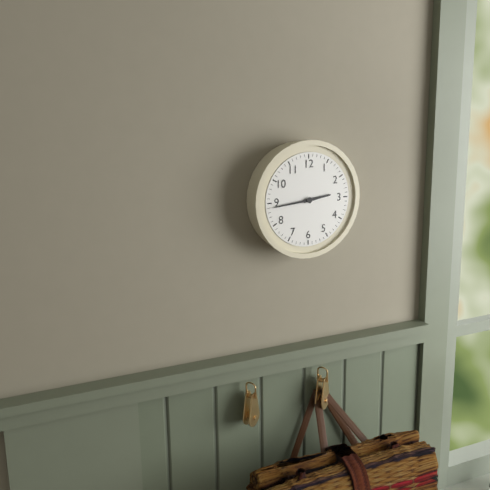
2:44
